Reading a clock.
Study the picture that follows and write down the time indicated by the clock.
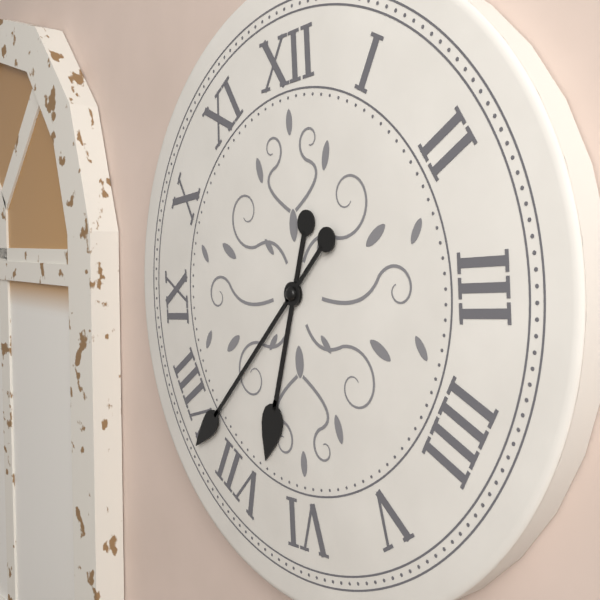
6:38
